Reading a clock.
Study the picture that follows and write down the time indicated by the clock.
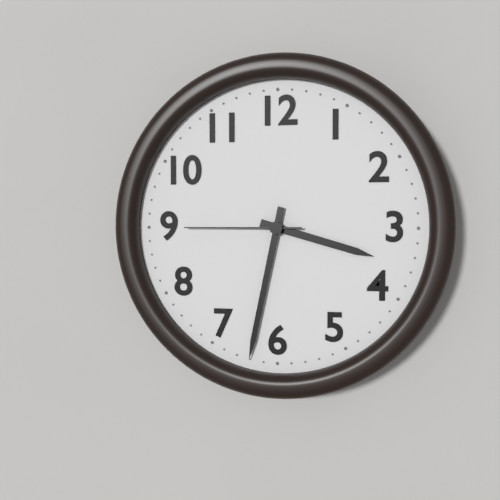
3:32:45
